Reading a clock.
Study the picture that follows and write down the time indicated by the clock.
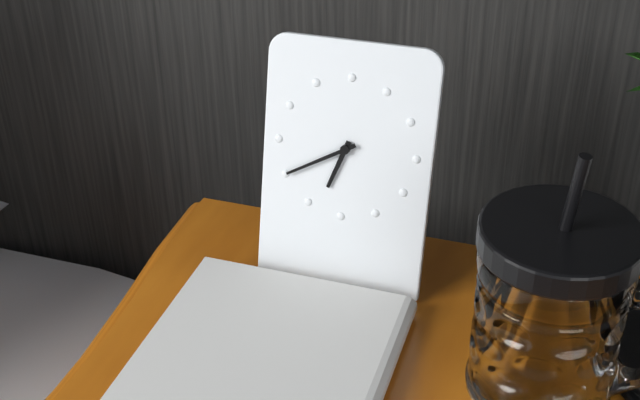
6:40
